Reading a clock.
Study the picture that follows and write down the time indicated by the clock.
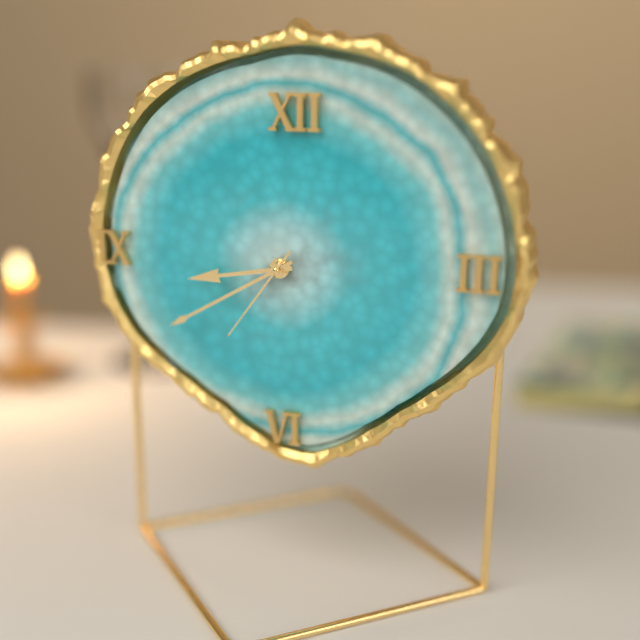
8:40:36
